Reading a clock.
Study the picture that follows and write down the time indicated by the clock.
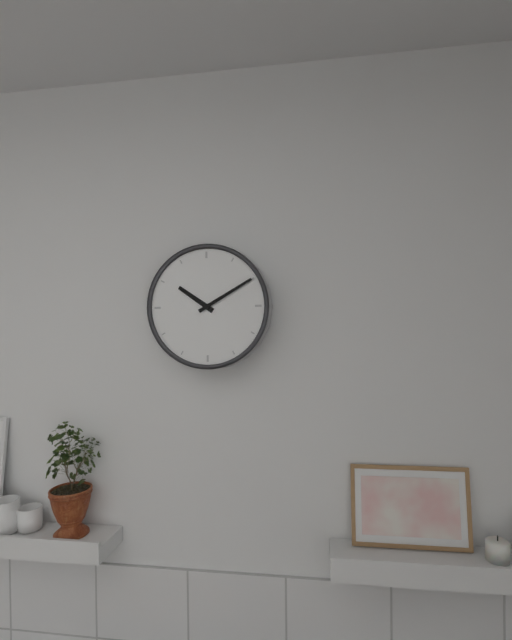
10:10
